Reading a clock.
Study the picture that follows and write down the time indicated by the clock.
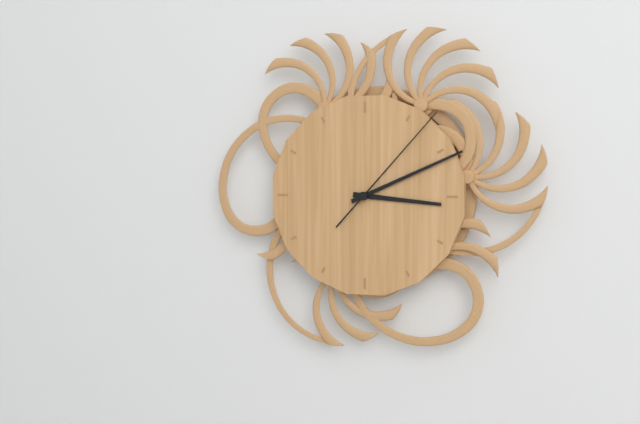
3:11:07
